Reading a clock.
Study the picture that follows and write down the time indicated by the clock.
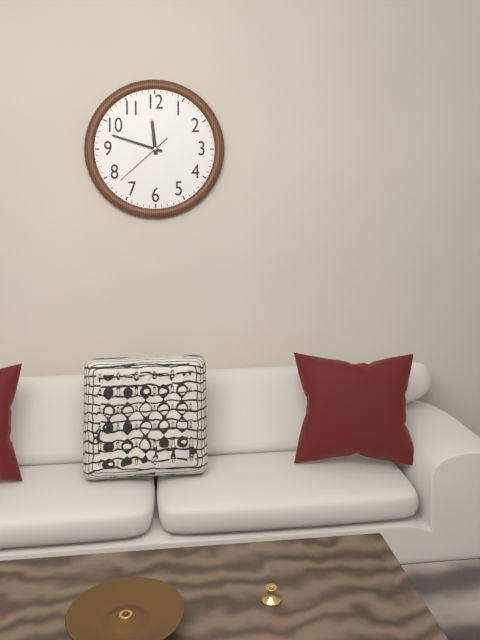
11:48:38
